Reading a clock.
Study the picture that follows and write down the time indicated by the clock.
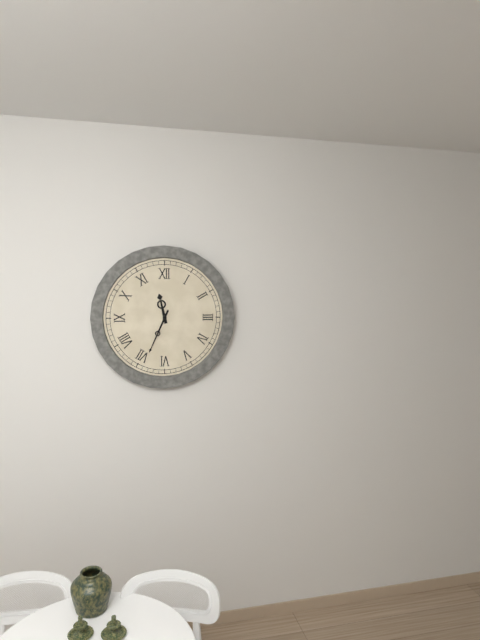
11:34
